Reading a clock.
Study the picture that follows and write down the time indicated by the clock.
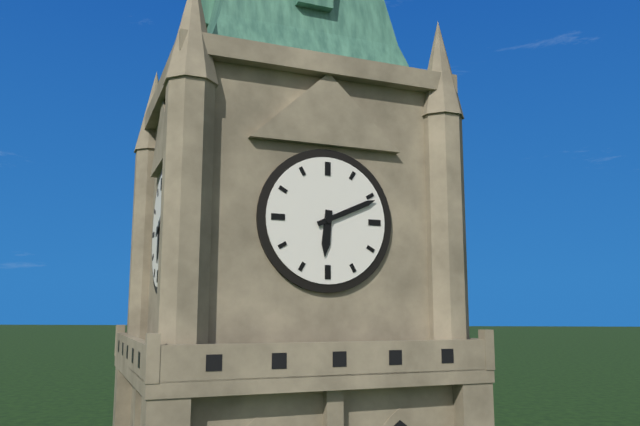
6:11
